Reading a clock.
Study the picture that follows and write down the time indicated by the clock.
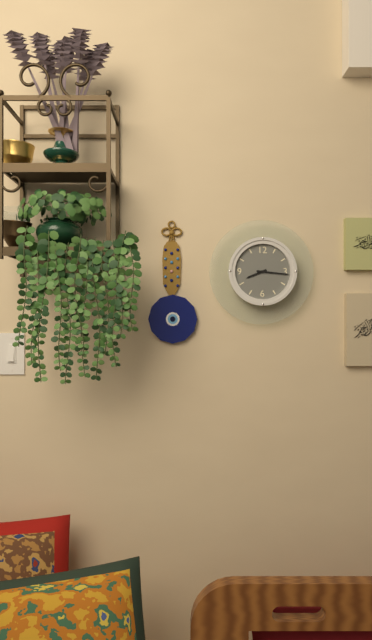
8:16
